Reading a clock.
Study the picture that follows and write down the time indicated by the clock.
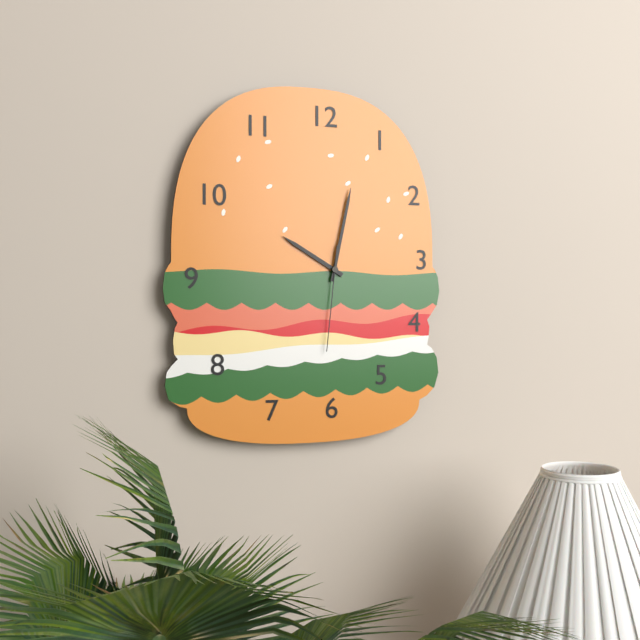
10:02:31
